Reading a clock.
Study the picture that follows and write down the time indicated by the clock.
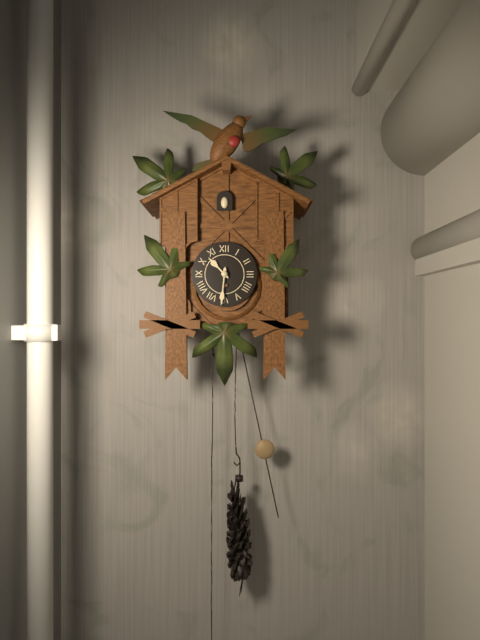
10:31
